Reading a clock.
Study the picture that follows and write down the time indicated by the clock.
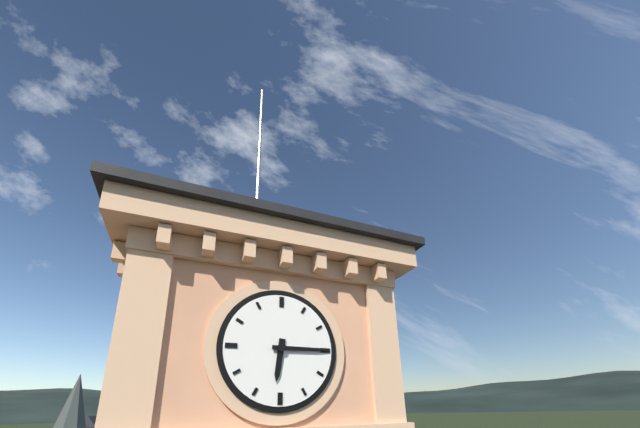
6:15
